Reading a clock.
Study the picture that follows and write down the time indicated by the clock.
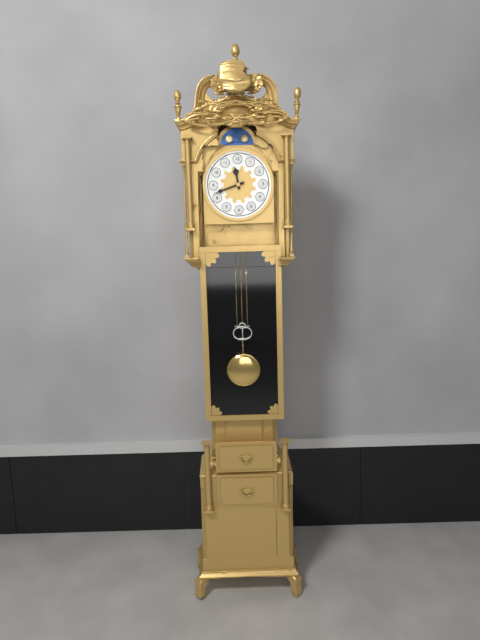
11:42
